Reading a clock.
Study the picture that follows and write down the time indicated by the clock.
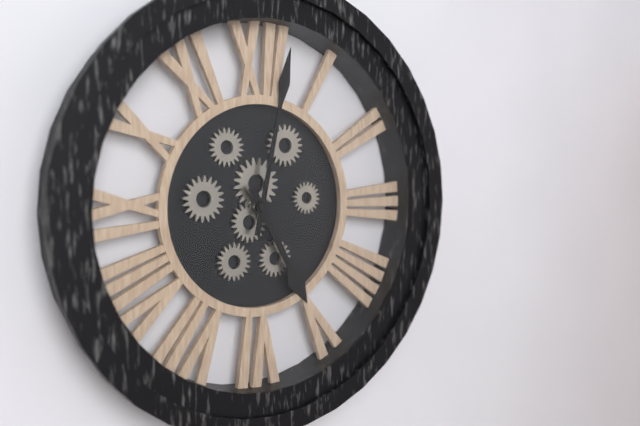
5:02
